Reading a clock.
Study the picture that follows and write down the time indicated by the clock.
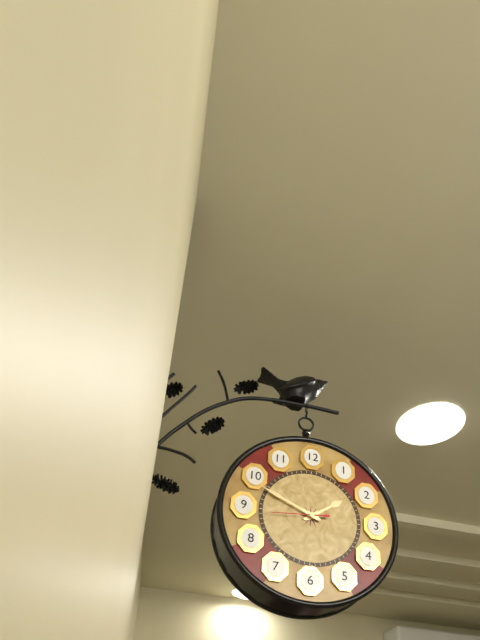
1:49:44
